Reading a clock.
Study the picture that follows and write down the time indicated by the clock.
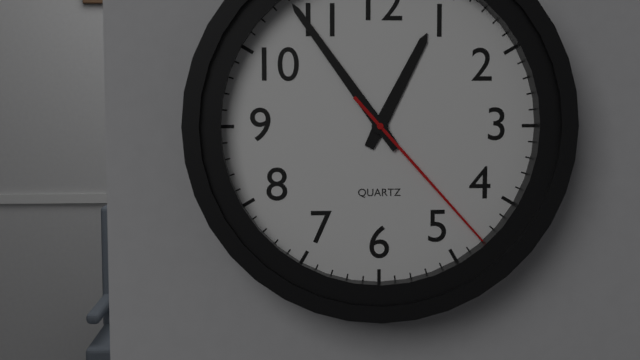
12:54:23
